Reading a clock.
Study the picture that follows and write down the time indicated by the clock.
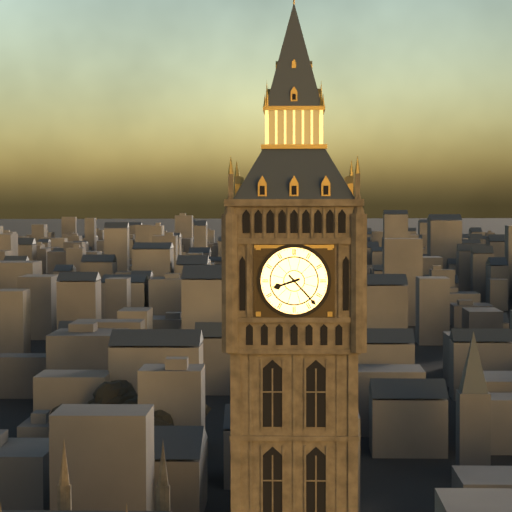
8:23
